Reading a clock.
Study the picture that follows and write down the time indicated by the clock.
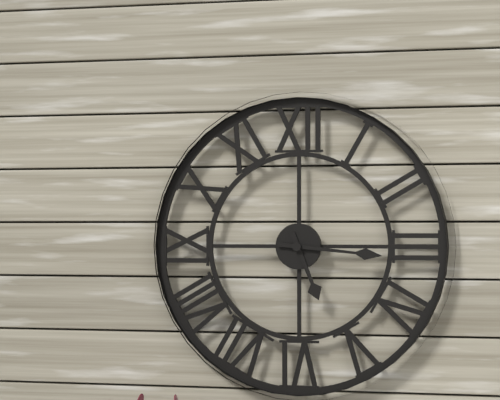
5:16
